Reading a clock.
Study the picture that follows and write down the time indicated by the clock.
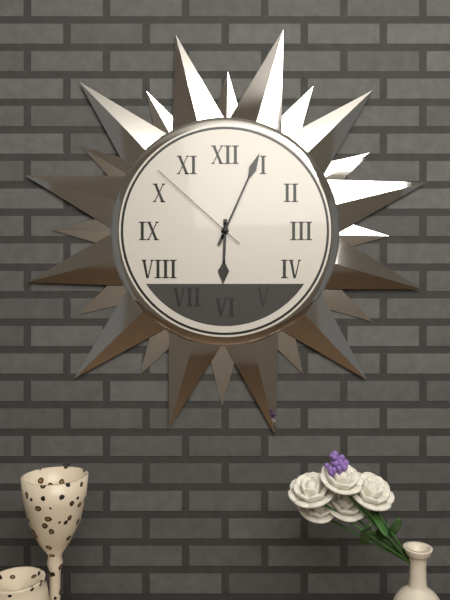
6:04:52
